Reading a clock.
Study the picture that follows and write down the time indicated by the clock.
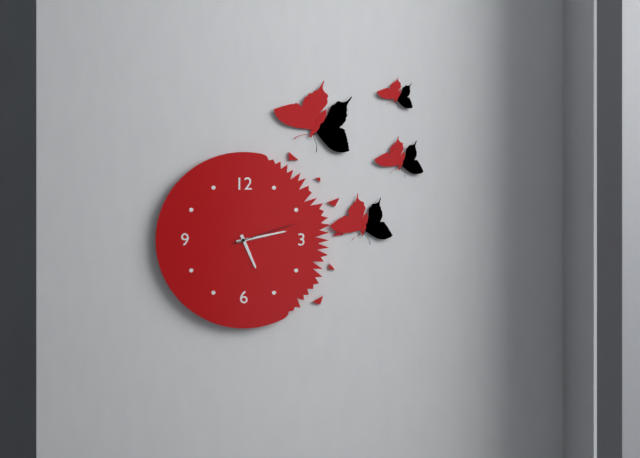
5:13:12
